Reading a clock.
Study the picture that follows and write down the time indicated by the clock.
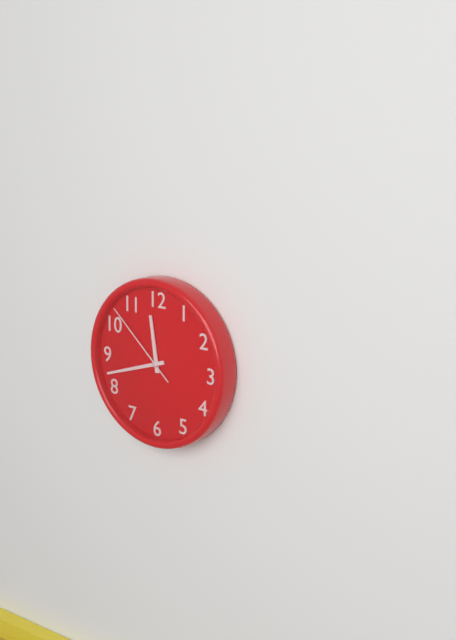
11:42:52
